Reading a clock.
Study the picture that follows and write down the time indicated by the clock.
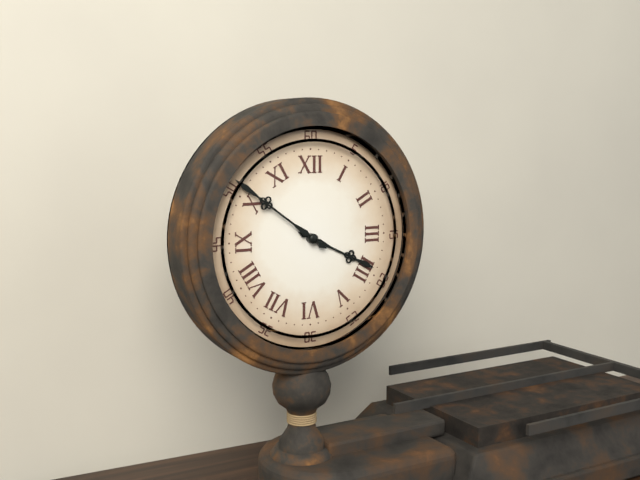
3:51
